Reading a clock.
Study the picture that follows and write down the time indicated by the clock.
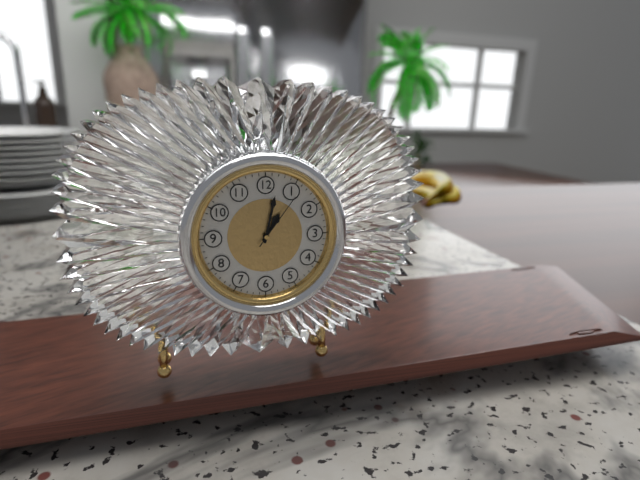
1:02:06
